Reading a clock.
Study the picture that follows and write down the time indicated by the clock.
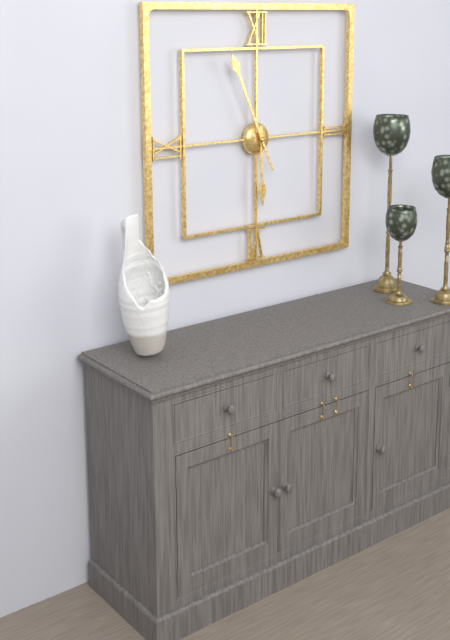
5:56
